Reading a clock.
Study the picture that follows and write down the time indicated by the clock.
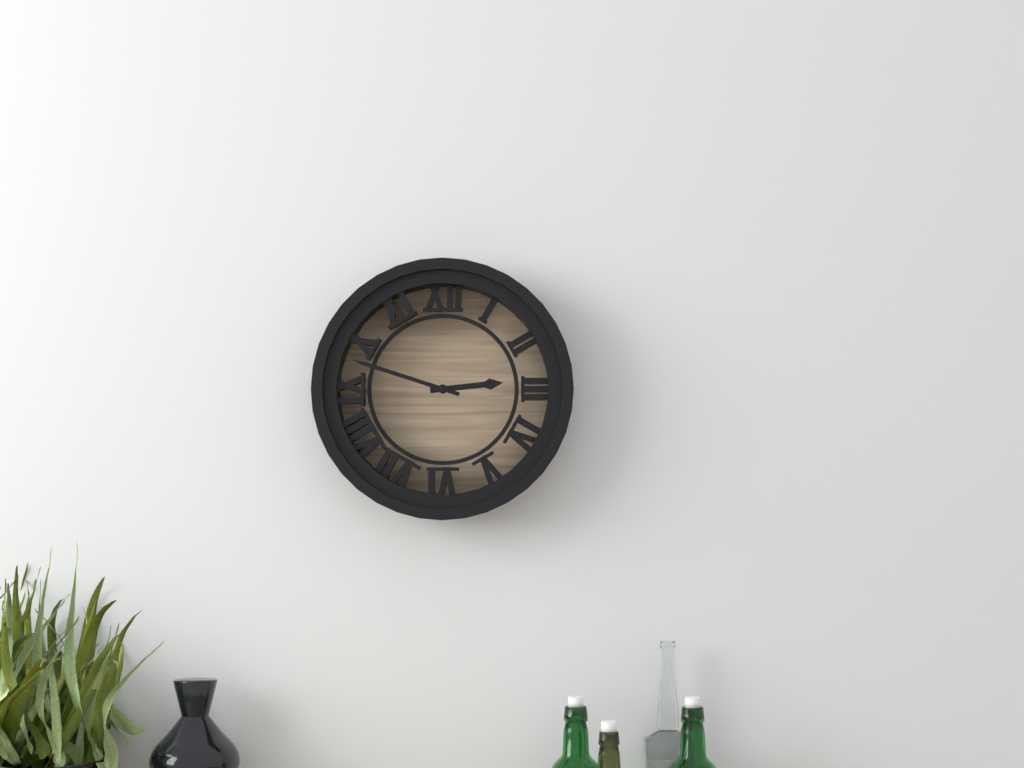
2:48
